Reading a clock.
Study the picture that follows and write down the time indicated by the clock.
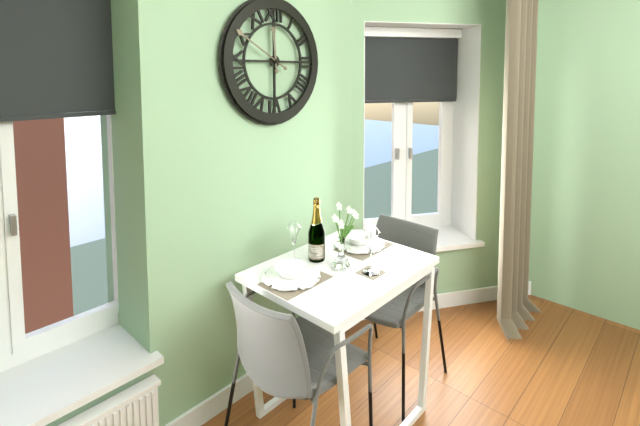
11:50
